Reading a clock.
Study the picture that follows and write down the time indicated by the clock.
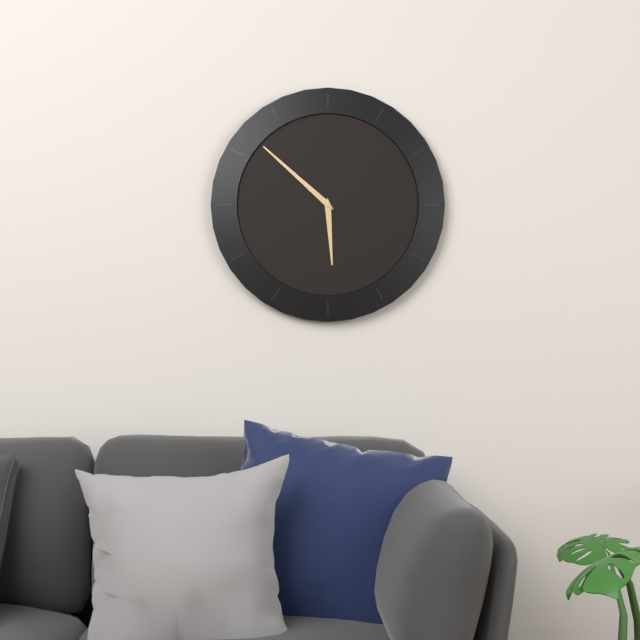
5:52
